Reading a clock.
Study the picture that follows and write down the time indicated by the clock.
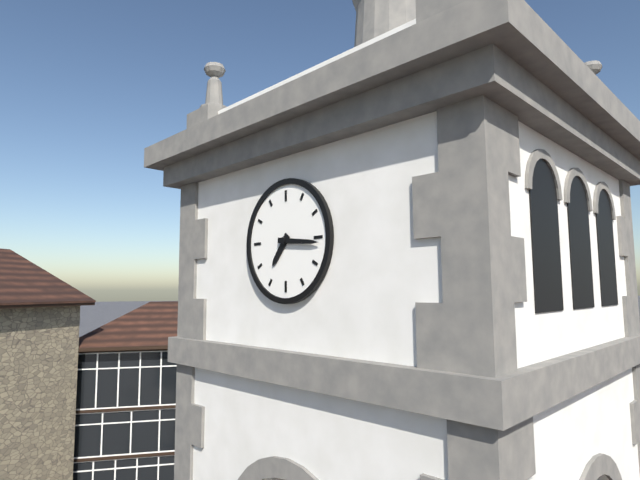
7:16
